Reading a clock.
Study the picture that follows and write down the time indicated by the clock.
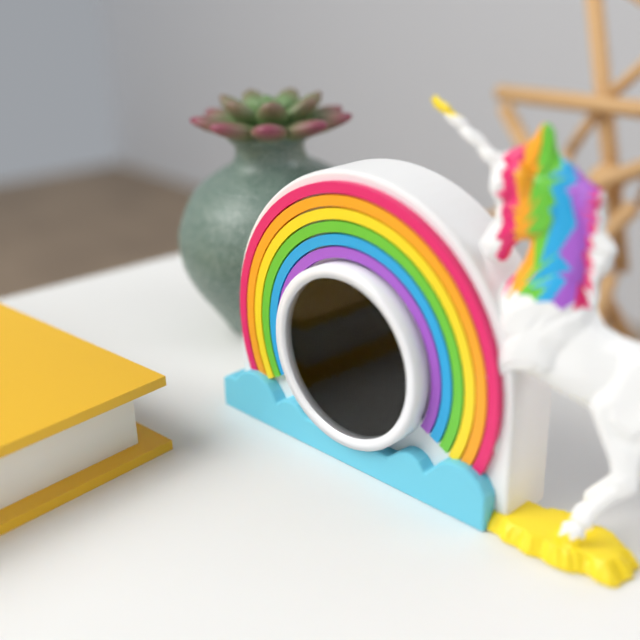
5:00
